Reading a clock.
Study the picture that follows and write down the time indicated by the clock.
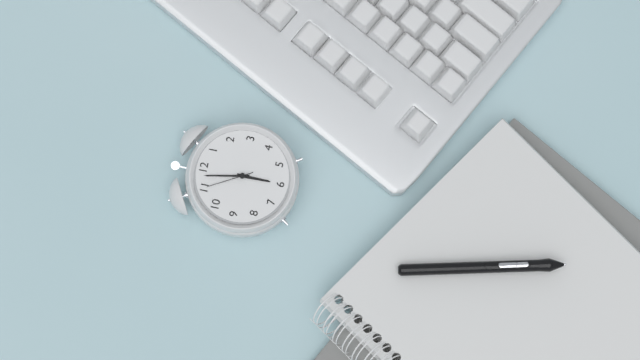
5:58
